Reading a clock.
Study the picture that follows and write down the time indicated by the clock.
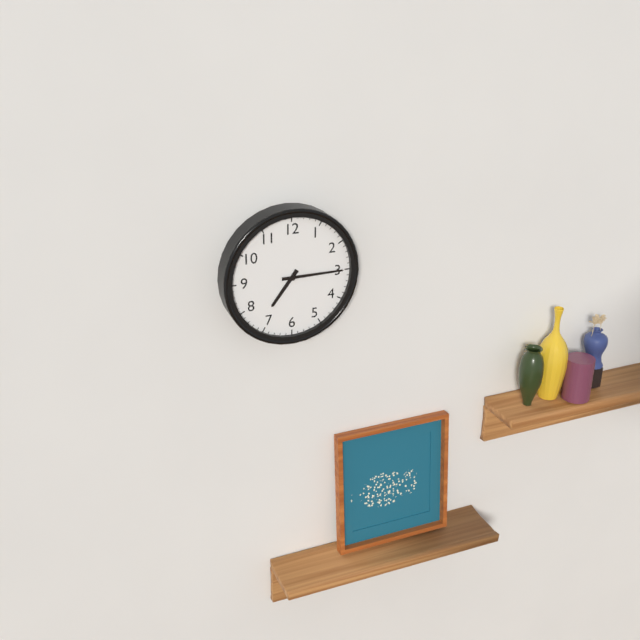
7:15
